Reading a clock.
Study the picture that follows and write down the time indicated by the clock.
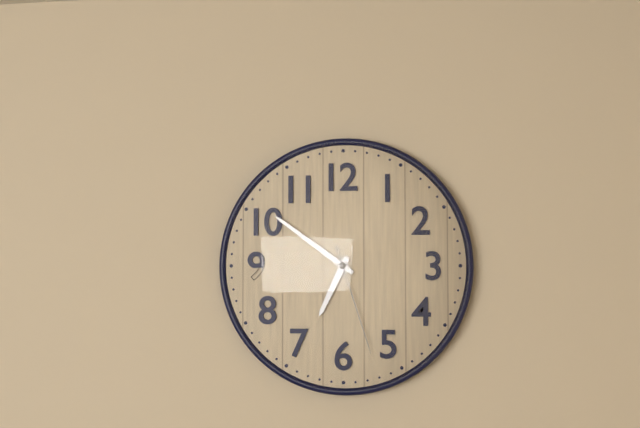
6:51:27
